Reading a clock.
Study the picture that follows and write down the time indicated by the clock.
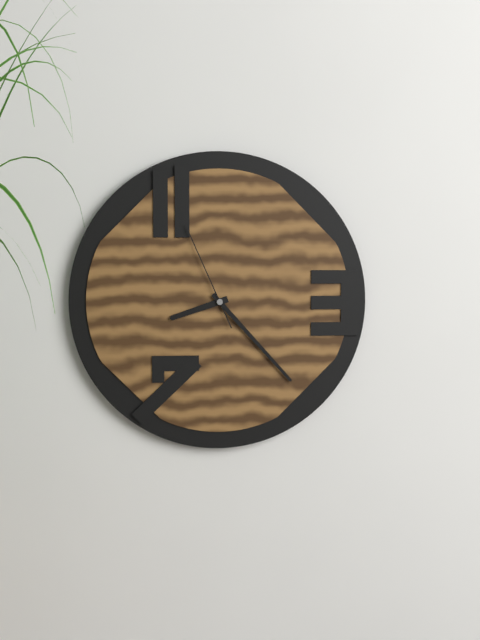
8:23:56
